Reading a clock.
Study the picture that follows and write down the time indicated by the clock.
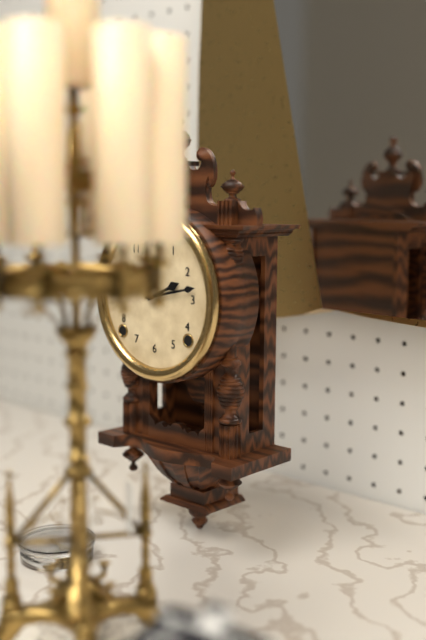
2:13
